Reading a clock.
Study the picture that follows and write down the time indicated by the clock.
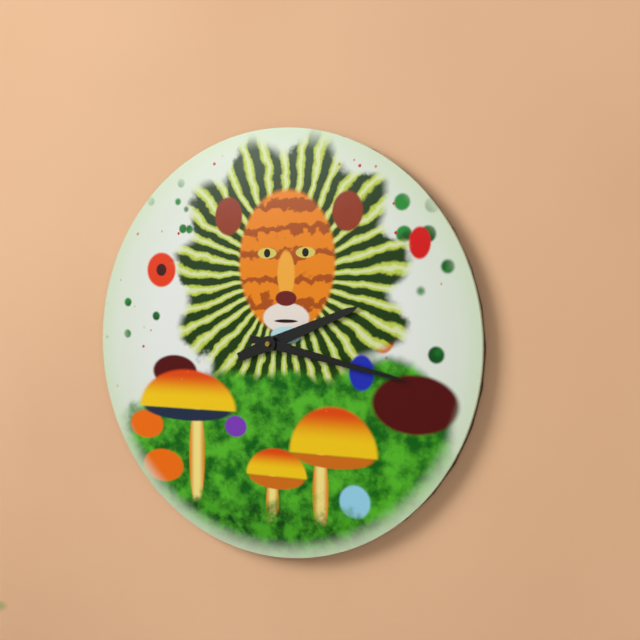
2:17
